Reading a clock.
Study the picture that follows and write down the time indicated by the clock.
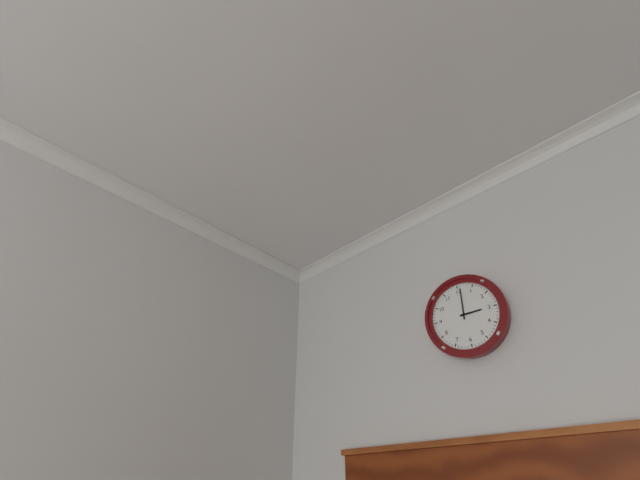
3:01
